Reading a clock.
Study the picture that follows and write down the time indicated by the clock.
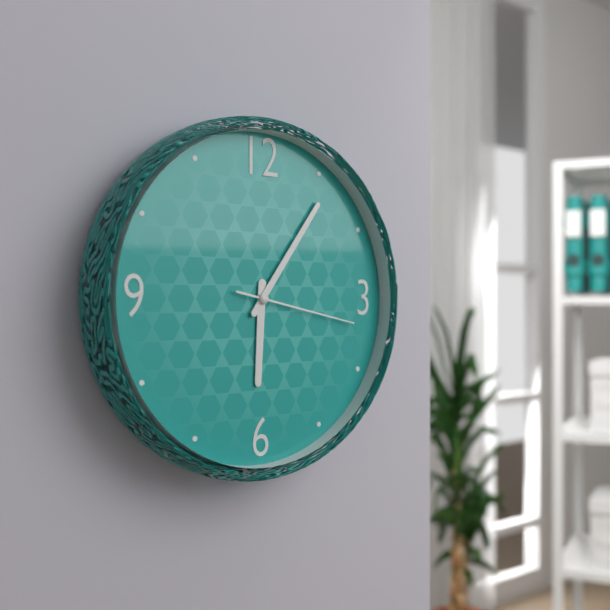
6:06:17
